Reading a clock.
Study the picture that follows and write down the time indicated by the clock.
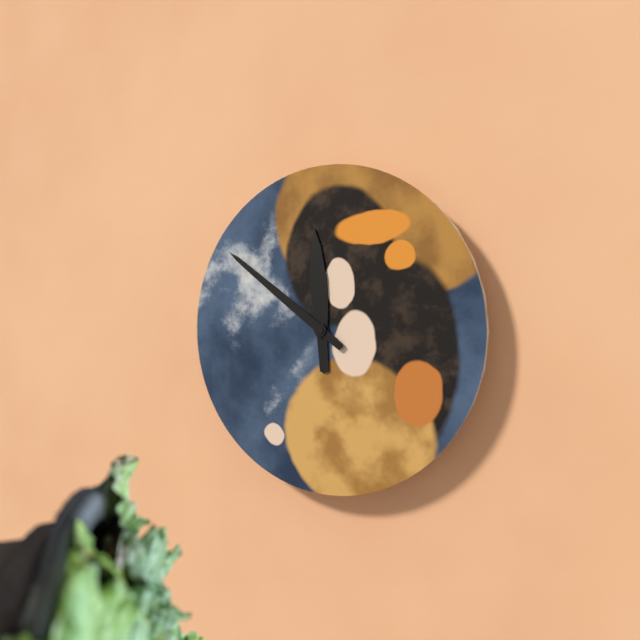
11:51
